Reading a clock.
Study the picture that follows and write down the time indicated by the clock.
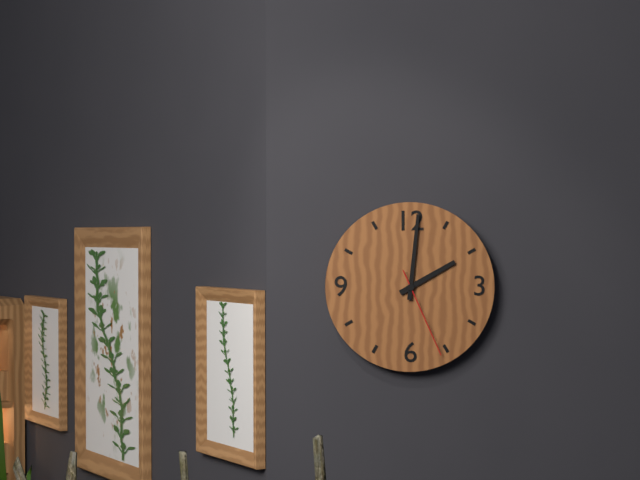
2:01:26
